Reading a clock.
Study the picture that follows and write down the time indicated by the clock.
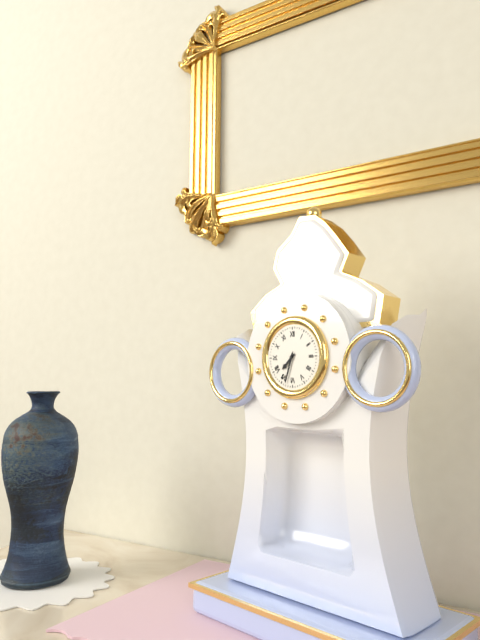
7:33
